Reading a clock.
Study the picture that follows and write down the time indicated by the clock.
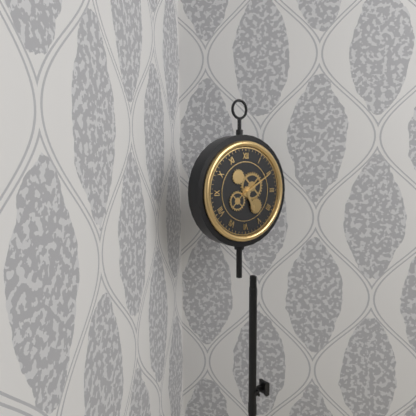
5:10
